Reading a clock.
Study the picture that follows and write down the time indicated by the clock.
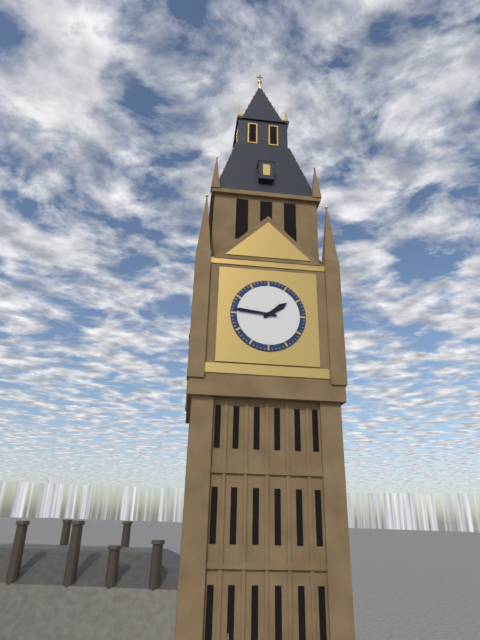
1:46
